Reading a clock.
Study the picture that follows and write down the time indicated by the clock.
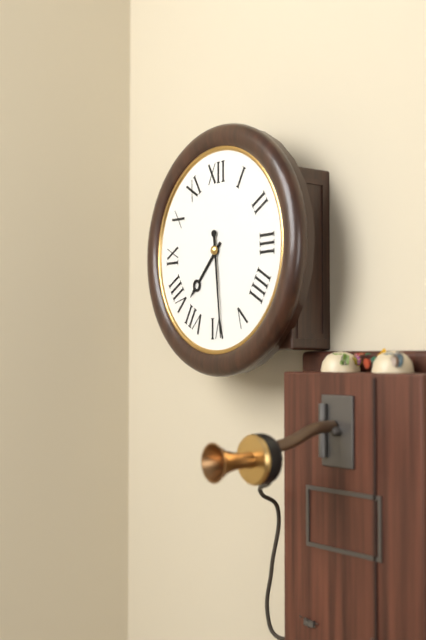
7:29
